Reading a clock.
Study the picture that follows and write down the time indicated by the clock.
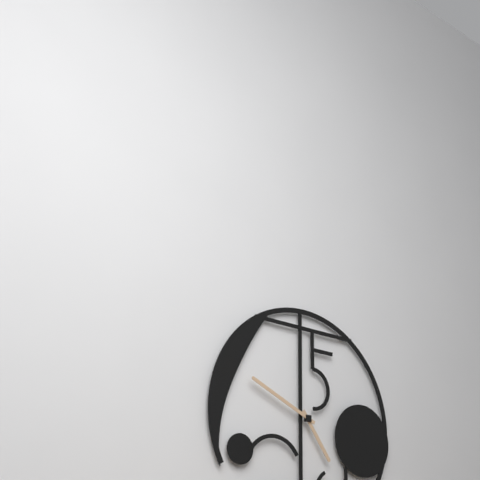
4:49
